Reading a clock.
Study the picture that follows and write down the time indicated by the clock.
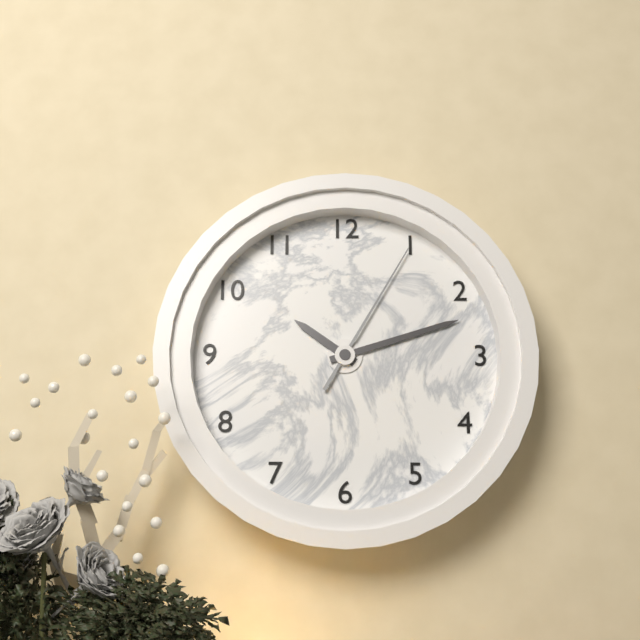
10:12:05
